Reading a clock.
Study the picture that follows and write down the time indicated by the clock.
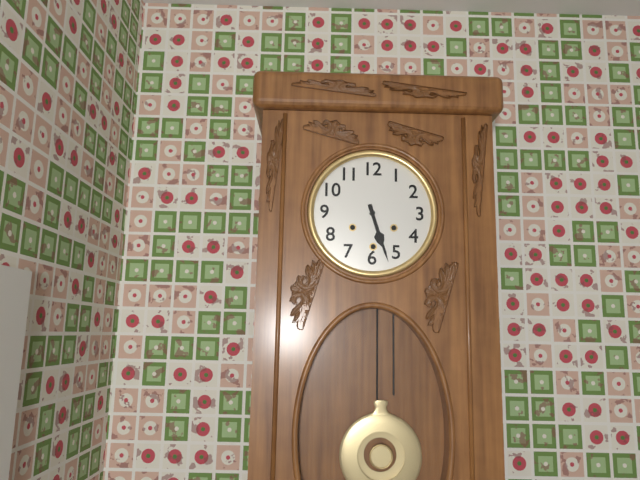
5:27
